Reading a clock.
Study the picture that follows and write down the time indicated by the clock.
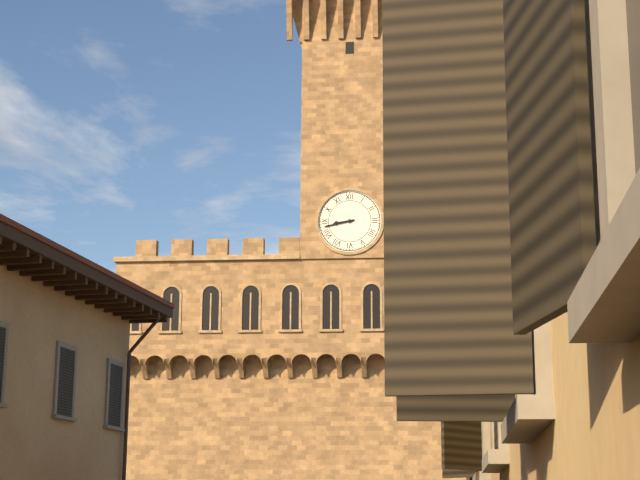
8:43
